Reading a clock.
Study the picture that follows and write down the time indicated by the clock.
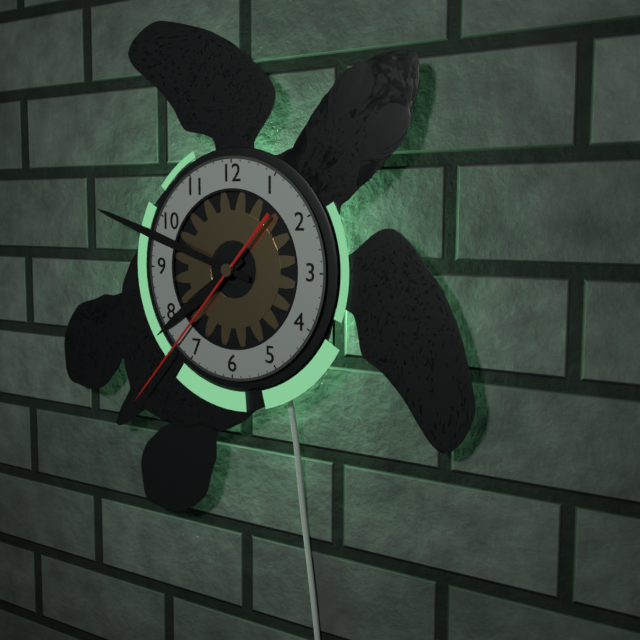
7:48:37
